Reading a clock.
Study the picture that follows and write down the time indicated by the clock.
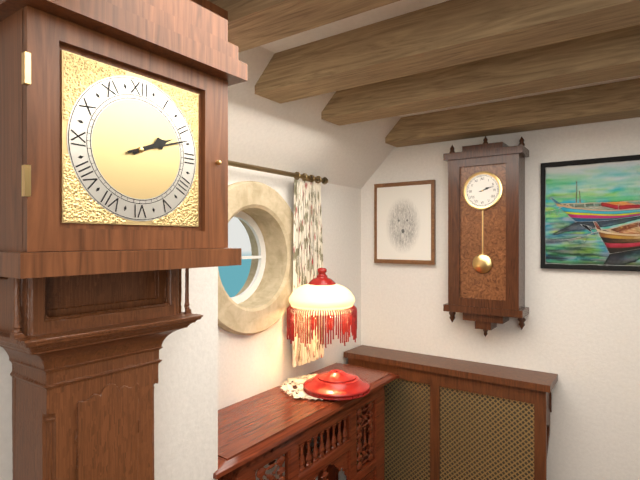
2:12
